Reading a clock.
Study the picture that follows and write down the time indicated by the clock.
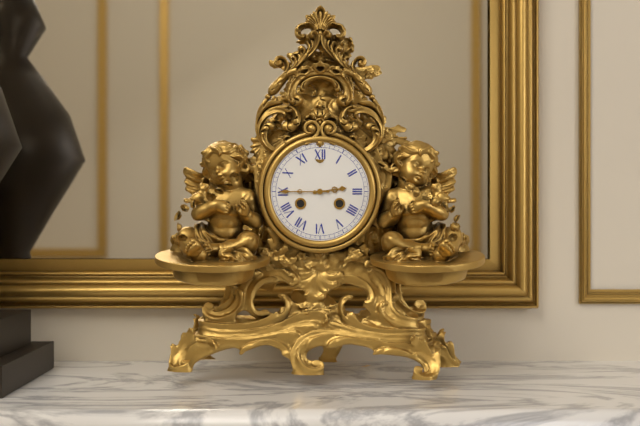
2:45
